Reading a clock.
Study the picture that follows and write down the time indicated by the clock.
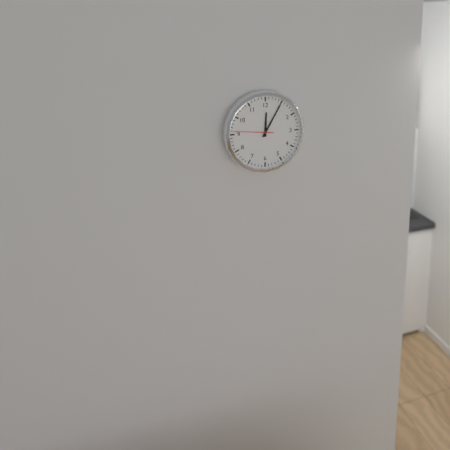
12:05
